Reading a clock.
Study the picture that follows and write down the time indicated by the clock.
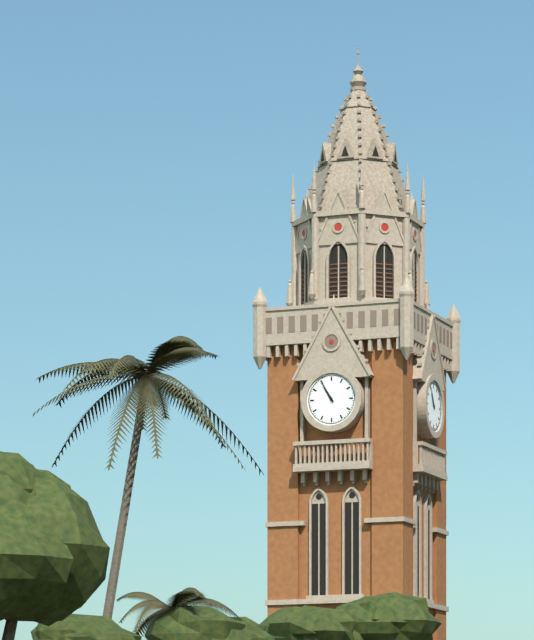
10:55
